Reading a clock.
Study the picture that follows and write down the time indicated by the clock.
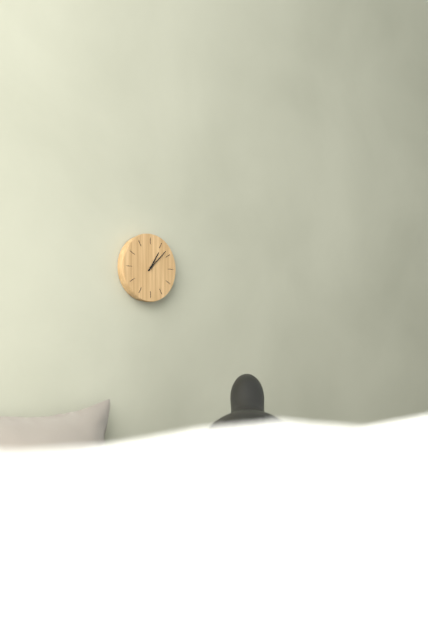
1:08
